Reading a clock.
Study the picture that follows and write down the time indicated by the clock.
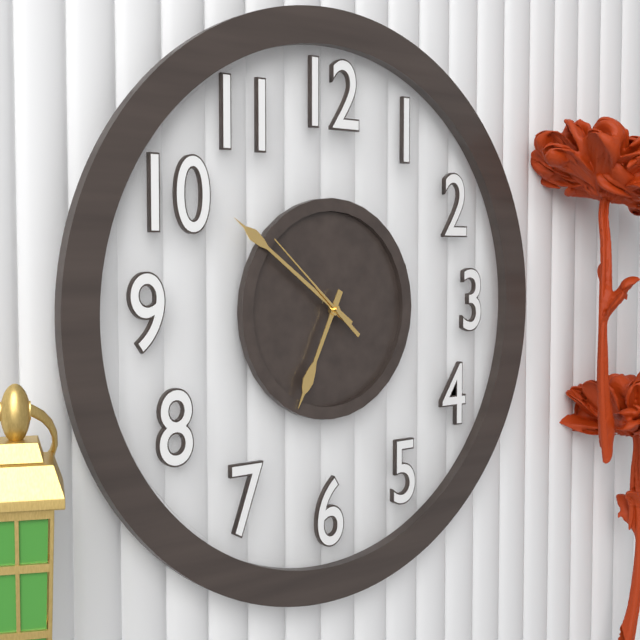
6:51:52
